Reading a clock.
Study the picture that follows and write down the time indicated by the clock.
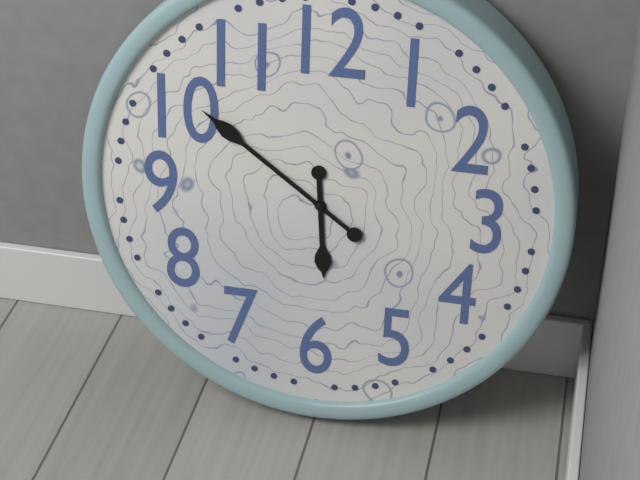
5:51
